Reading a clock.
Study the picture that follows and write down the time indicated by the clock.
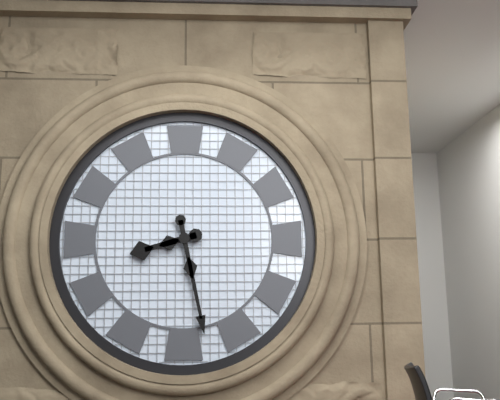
8:28
